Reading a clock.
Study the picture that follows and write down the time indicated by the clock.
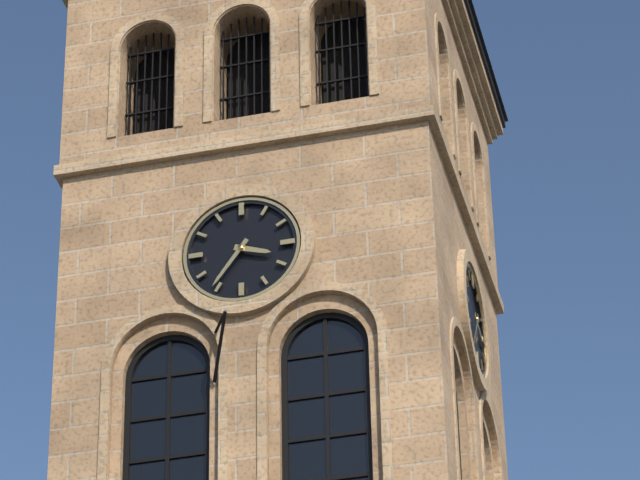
3:36
